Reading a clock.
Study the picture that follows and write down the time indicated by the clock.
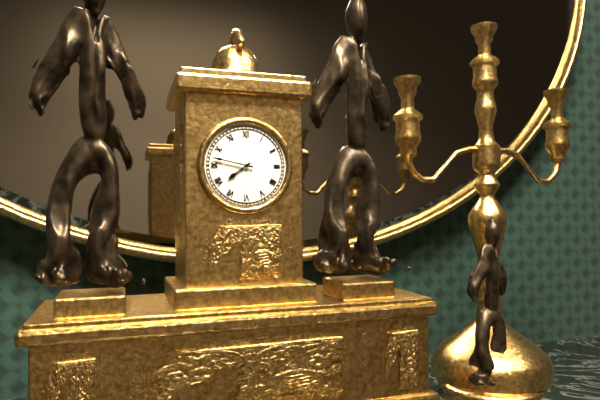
7:47
